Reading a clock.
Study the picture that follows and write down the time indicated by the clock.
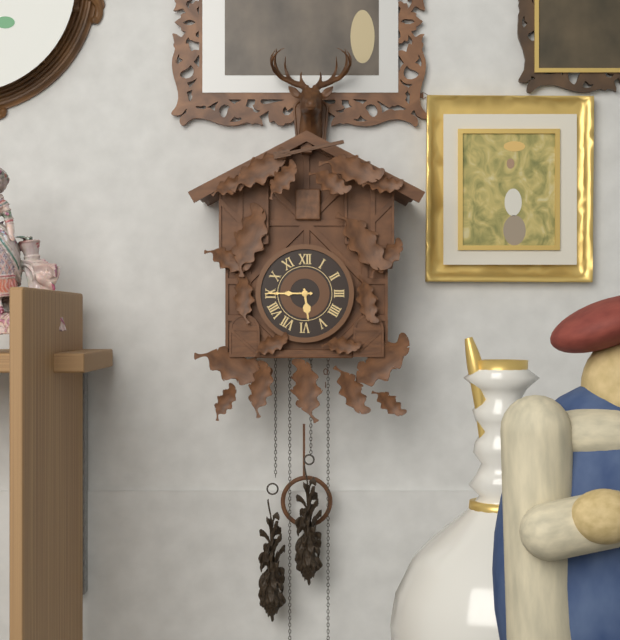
5:45
